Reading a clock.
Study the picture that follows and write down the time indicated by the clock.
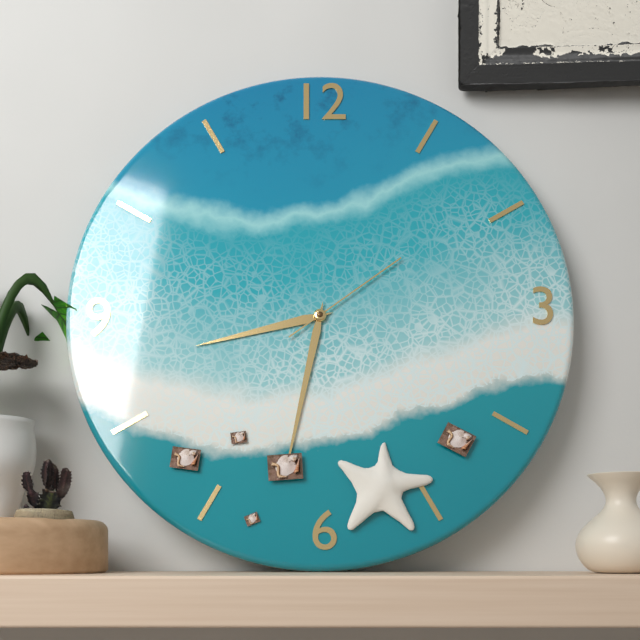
8:32:09
